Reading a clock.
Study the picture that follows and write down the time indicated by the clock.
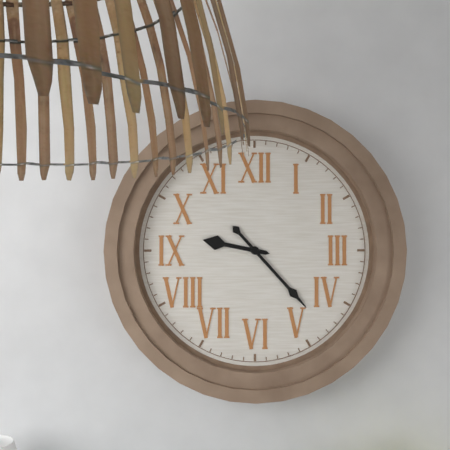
9:23
